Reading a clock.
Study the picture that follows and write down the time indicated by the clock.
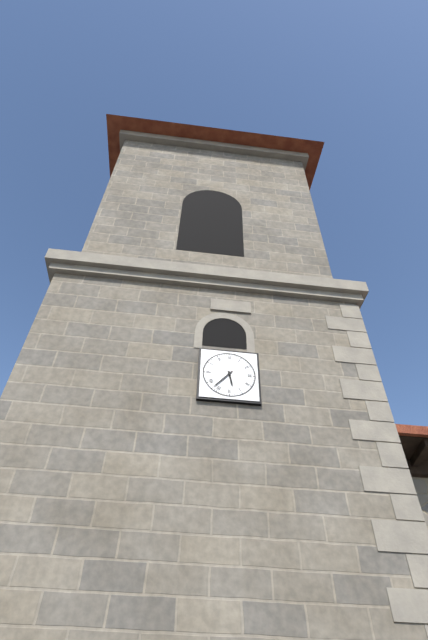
5:37
